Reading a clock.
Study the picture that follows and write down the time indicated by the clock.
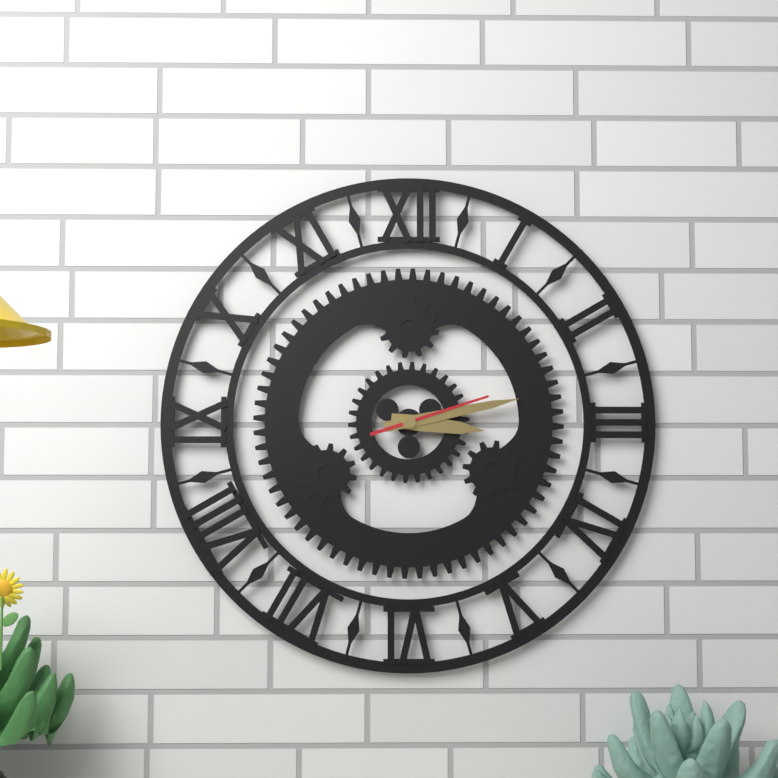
3:13:12
